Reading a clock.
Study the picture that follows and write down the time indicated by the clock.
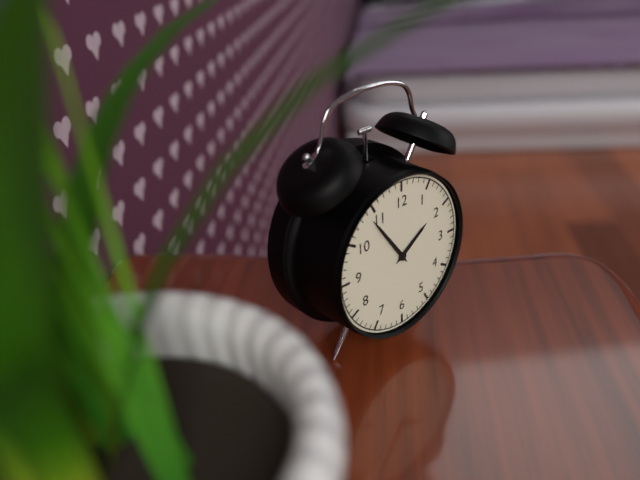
1:54
